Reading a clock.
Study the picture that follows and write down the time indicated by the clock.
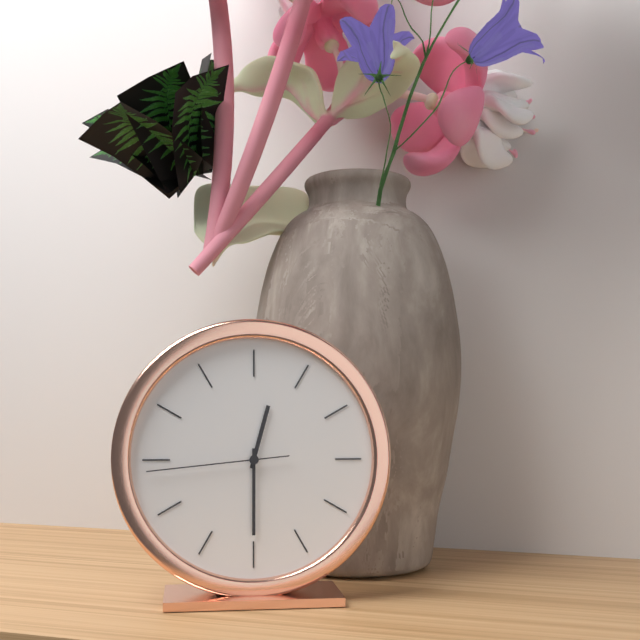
12:30:44
